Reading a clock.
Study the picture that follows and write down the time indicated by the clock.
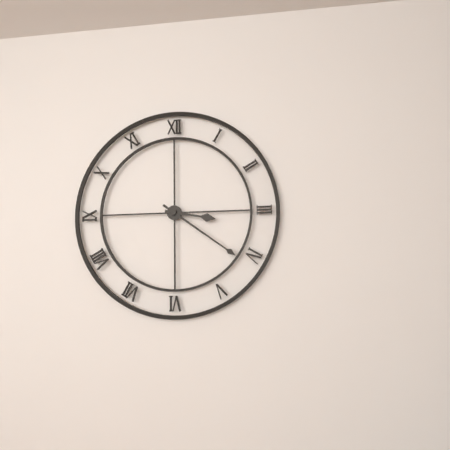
3:21
